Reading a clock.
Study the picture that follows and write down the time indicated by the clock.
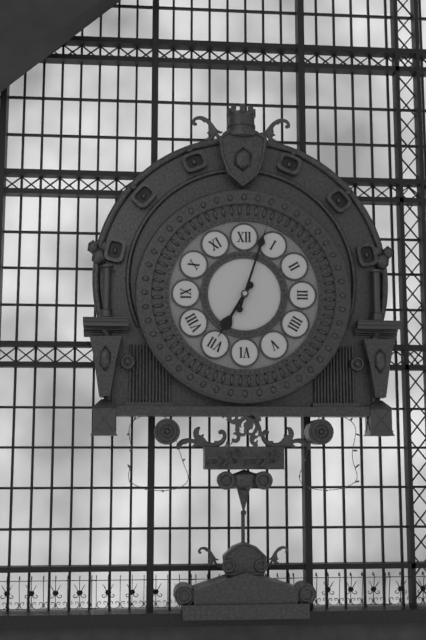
7:03
